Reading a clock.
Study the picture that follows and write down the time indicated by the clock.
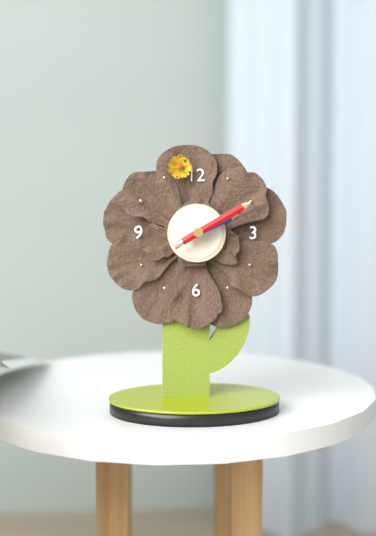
2:10
